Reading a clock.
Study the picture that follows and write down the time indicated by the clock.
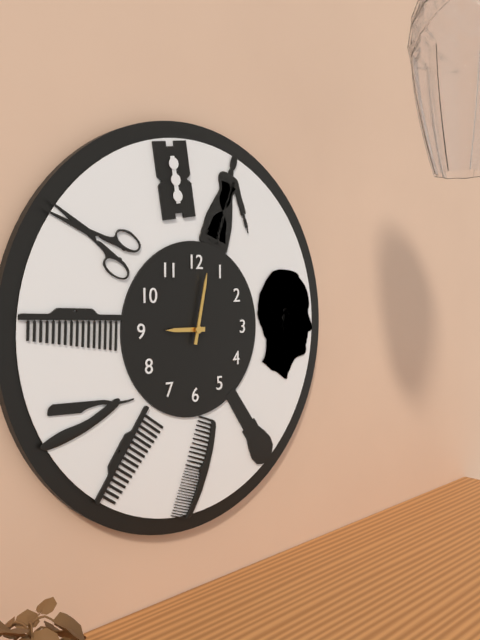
9:02
